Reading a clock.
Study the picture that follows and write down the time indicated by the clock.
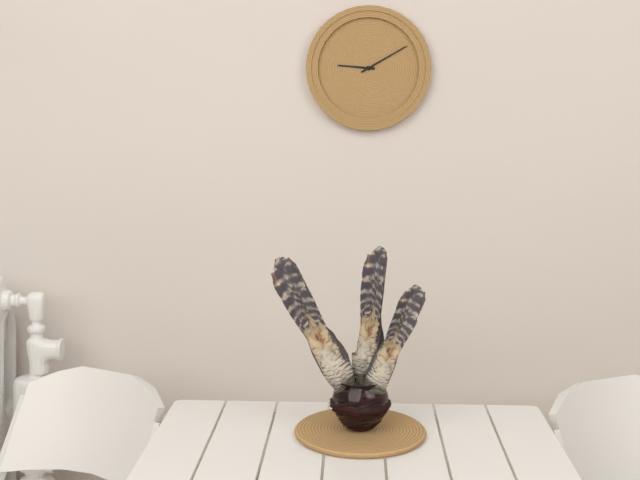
9:10
